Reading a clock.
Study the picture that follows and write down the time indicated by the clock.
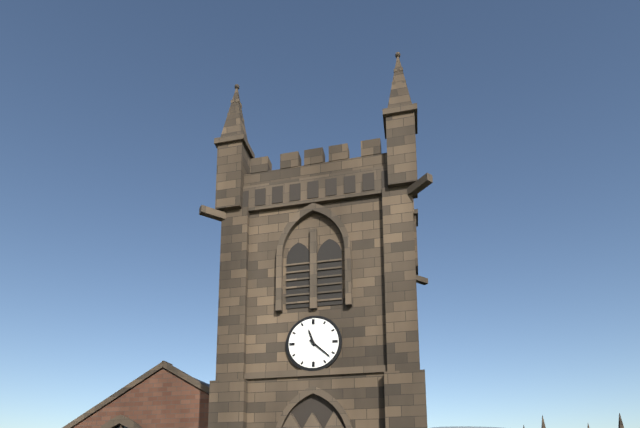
11:22
